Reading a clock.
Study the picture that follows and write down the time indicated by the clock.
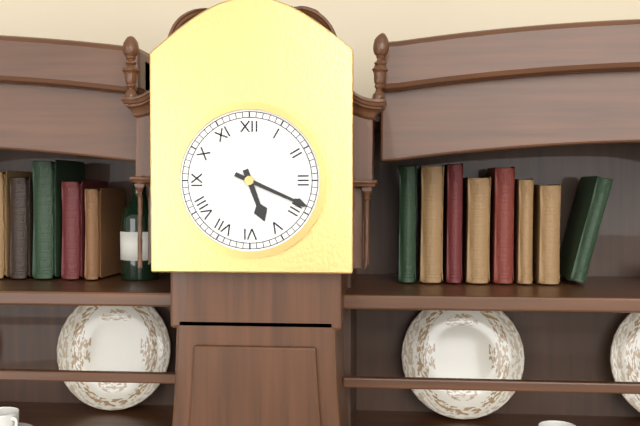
5:19
